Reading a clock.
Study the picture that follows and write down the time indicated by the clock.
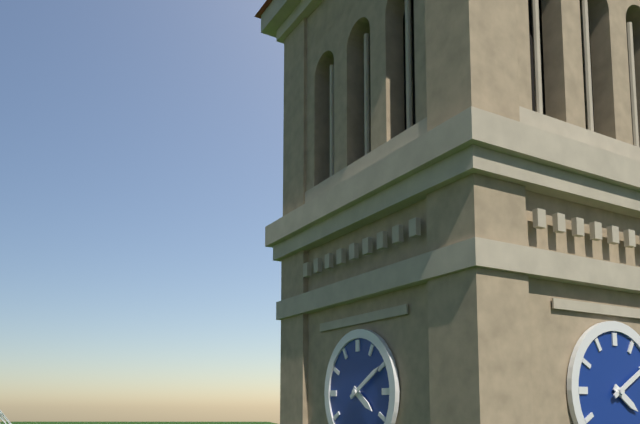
4:10
